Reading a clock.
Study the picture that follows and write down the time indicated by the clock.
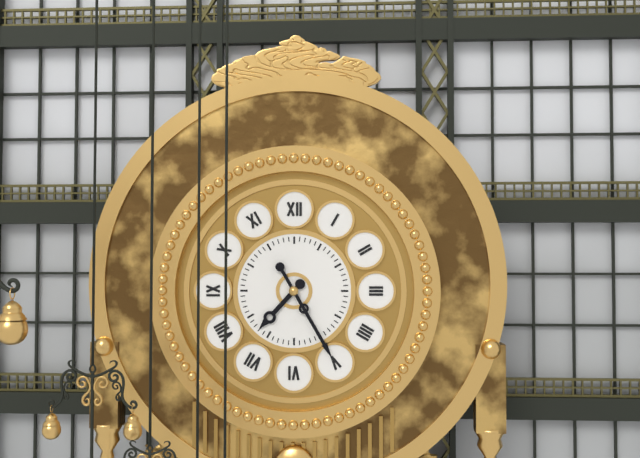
7:25
